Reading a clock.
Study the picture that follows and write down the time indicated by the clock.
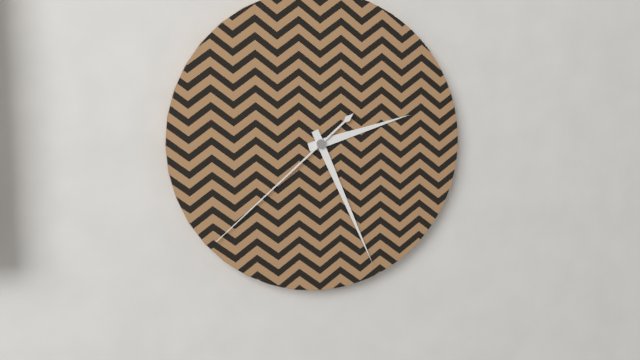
2:26:38
